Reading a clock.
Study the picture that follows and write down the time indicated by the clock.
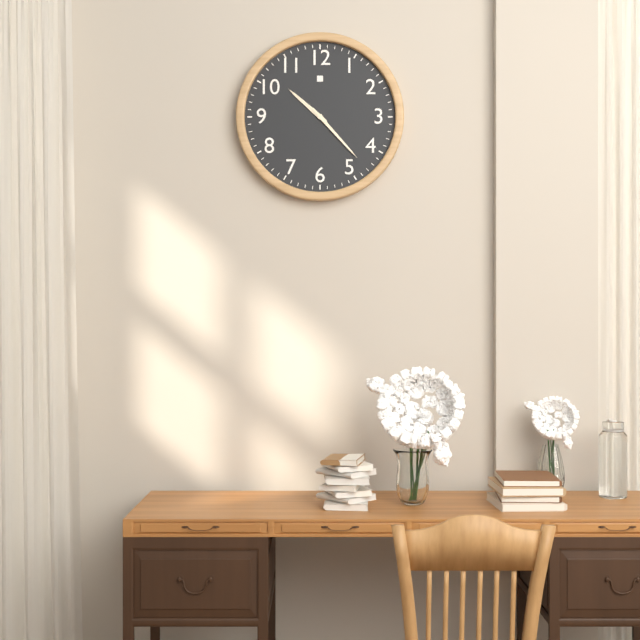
10:23
